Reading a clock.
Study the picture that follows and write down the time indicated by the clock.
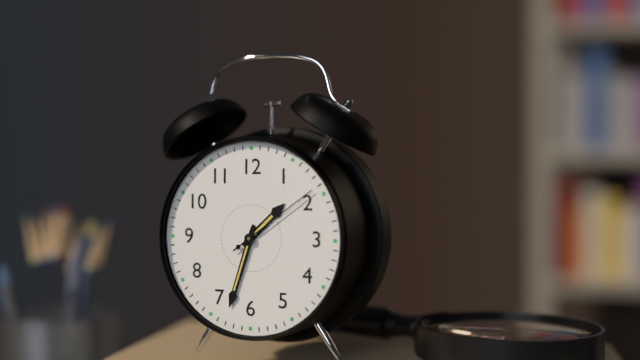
1:33:09
